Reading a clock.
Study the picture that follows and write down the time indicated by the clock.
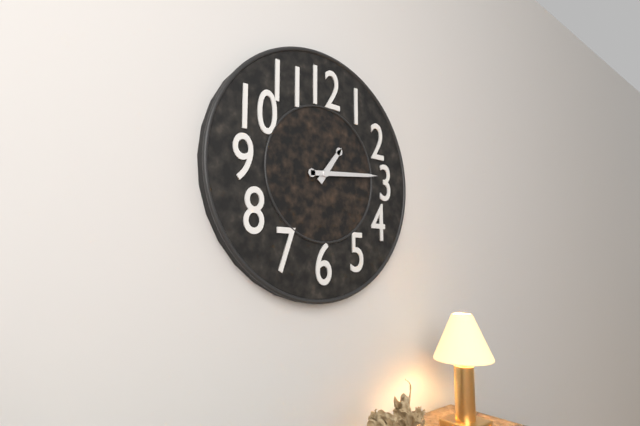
1:14
